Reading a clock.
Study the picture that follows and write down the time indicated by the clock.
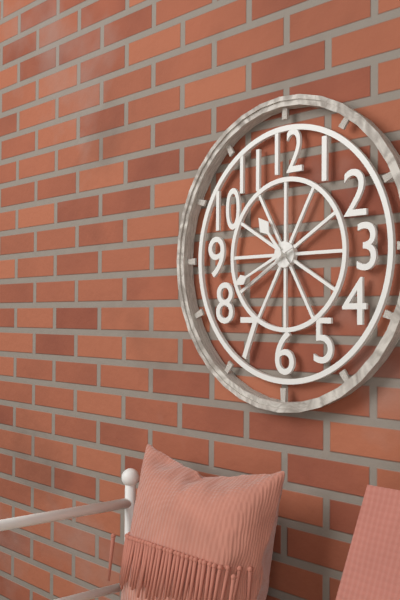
10:41
